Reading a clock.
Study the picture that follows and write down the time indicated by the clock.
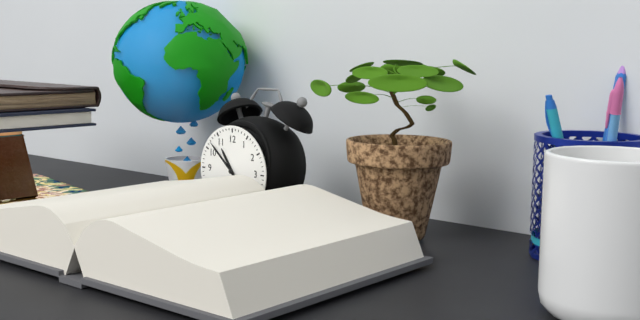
10:52
